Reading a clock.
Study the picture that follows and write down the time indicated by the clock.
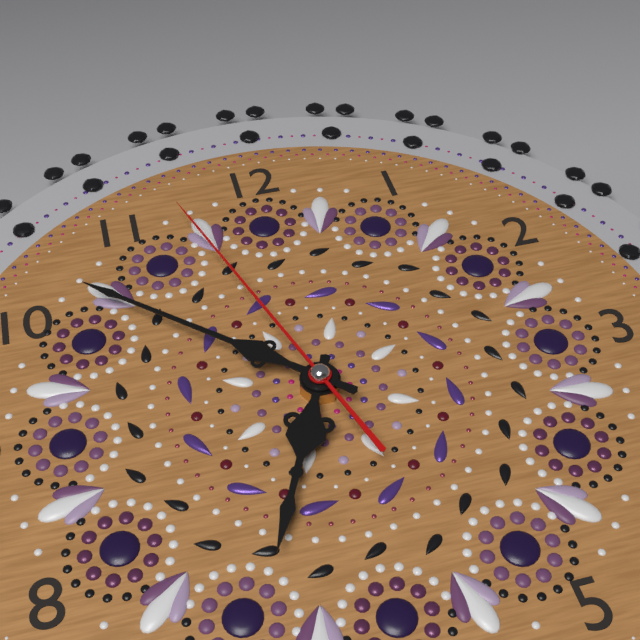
6:52:57
